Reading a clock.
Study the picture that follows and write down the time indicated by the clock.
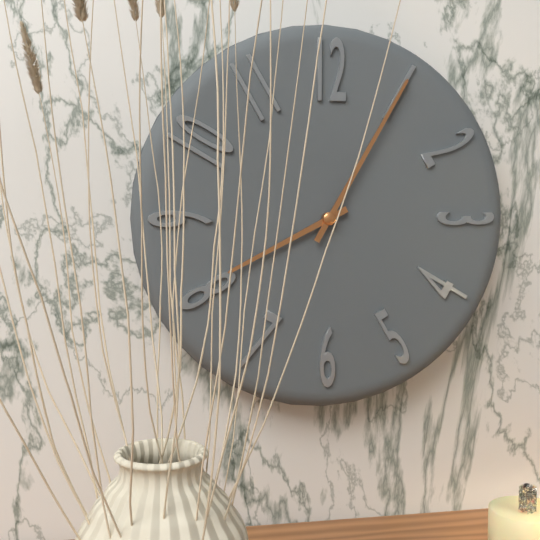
8:05
